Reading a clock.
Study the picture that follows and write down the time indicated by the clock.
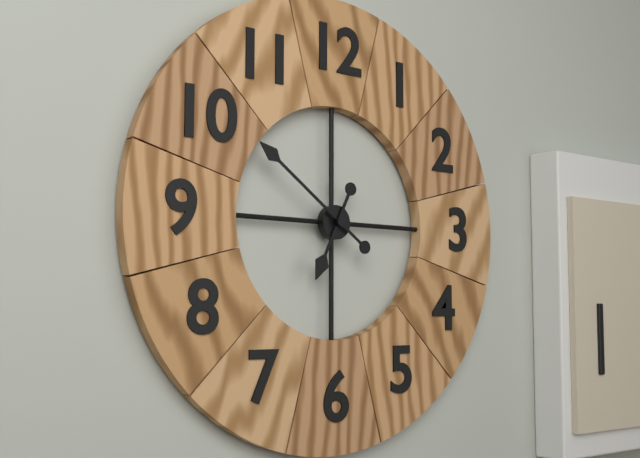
6:51
